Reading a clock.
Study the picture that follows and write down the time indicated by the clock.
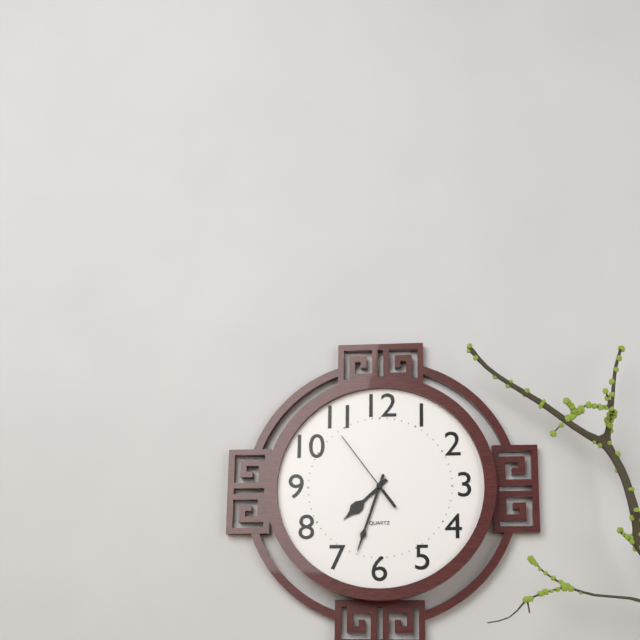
7:33:54
